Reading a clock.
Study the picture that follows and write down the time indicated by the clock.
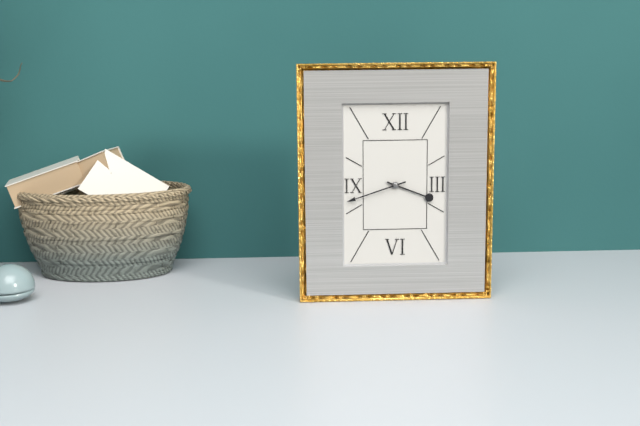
3:42
